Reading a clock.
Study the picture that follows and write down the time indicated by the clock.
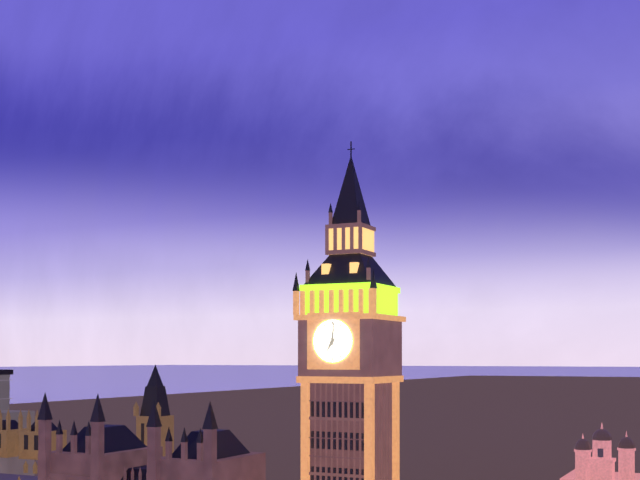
7:01
